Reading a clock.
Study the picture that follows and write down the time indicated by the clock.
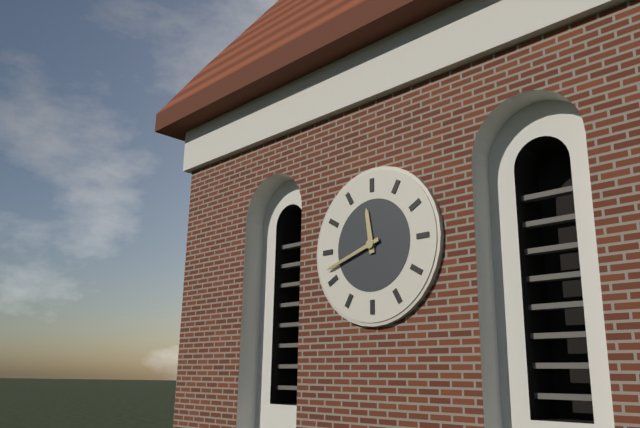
11:42
